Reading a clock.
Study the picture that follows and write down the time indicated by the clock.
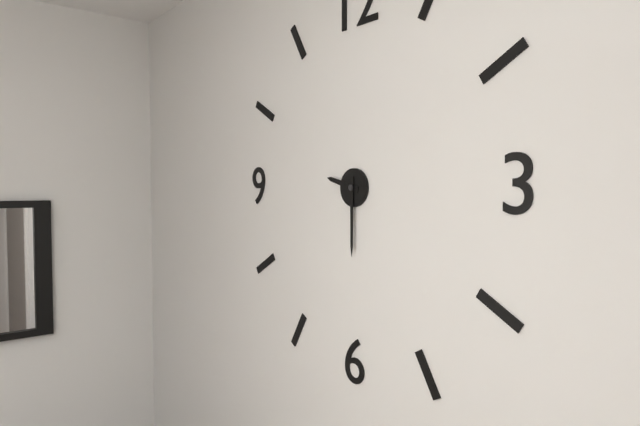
9:30
